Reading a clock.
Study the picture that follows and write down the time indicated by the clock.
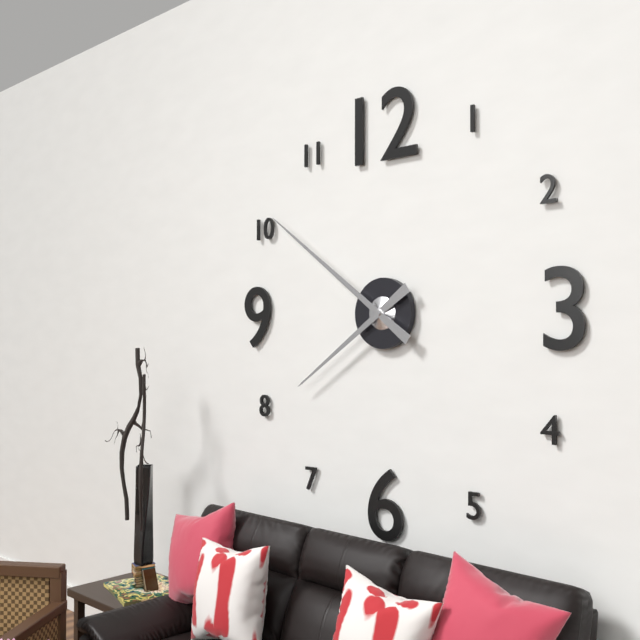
7:51
